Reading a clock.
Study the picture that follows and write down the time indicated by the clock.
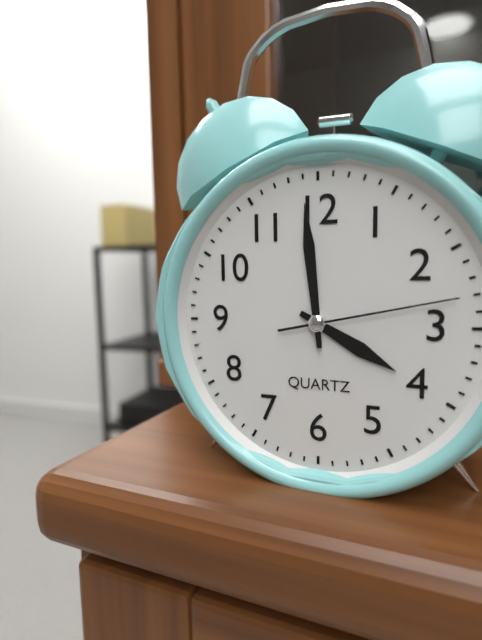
3:59:13
